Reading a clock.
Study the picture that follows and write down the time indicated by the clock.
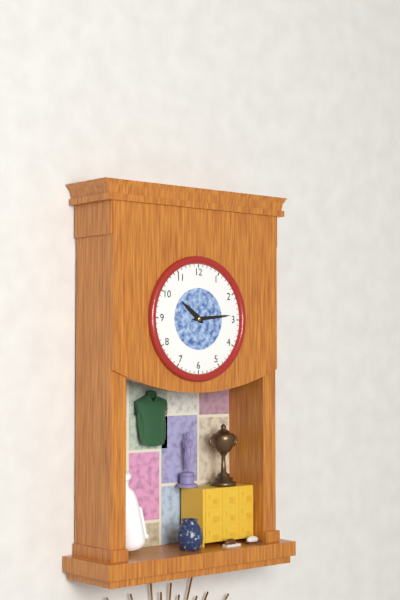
10:14
